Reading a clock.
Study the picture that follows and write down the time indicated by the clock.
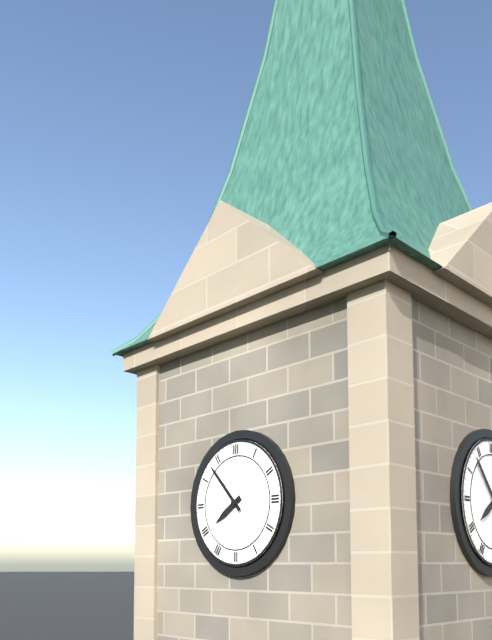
7:53
